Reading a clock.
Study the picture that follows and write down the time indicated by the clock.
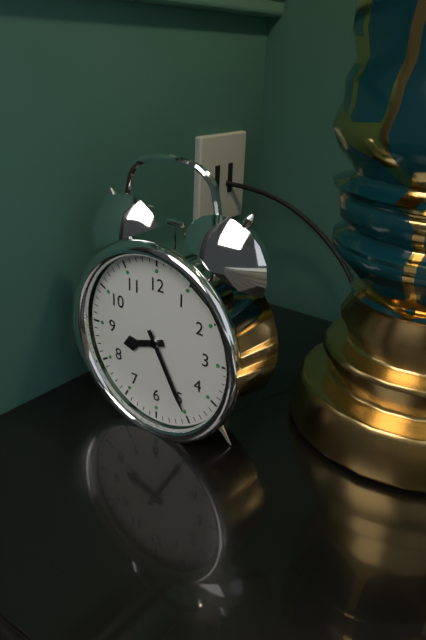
8:25
